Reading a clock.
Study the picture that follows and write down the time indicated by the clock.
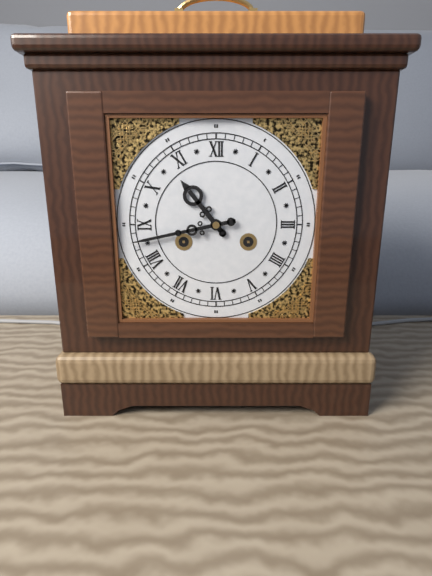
10:43
